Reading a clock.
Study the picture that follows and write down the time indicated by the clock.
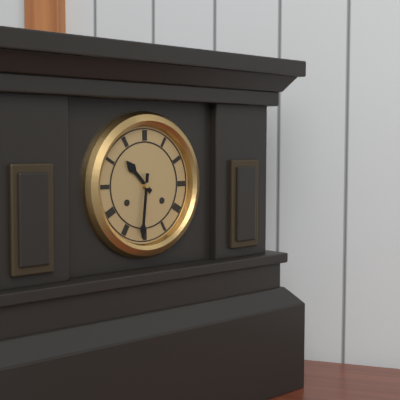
10:31
